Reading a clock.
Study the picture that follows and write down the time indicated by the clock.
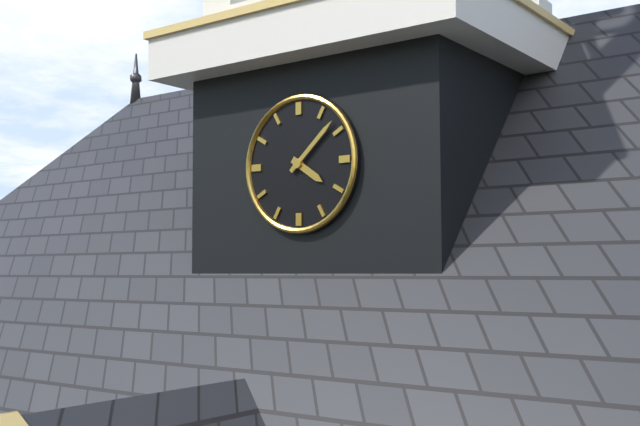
4:08
